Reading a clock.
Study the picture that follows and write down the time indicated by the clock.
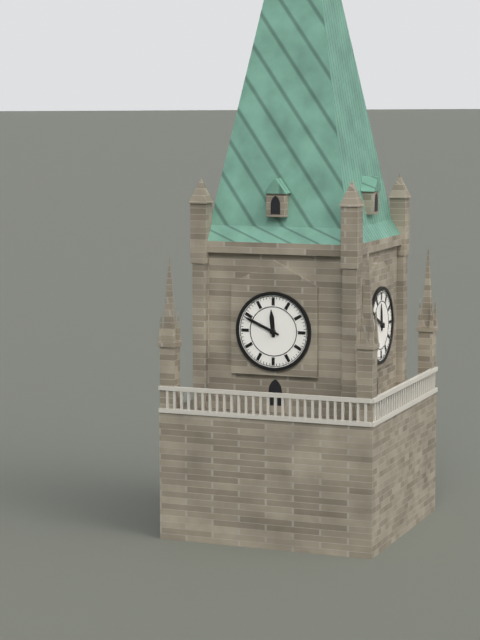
11:49
